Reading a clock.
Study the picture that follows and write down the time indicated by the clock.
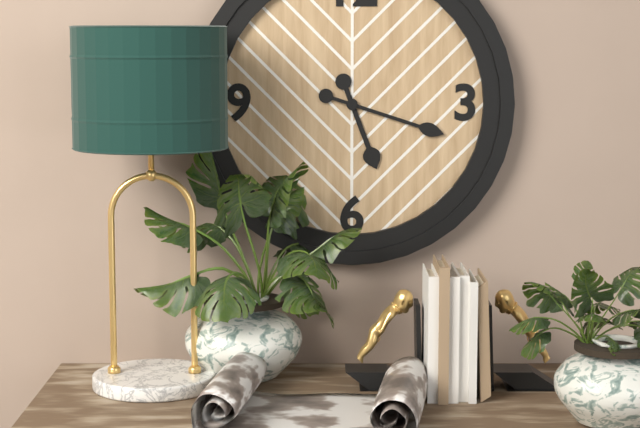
5:18
